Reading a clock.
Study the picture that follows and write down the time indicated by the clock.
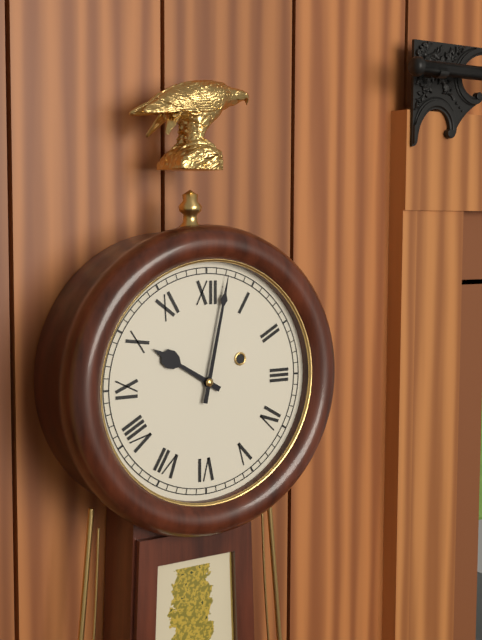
10:02
